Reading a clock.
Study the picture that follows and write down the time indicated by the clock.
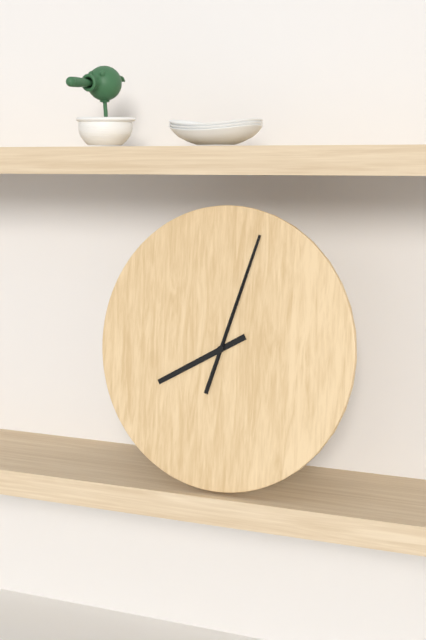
8:03:03
